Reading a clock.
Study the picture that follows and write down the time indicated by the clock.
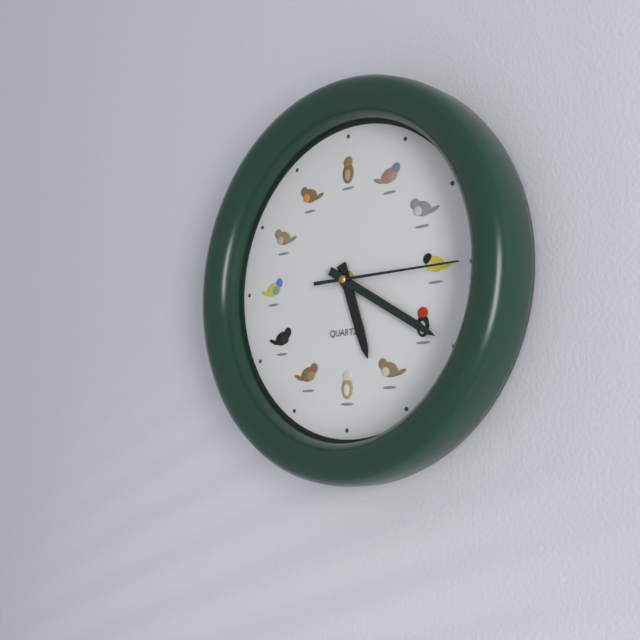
5:20:15
